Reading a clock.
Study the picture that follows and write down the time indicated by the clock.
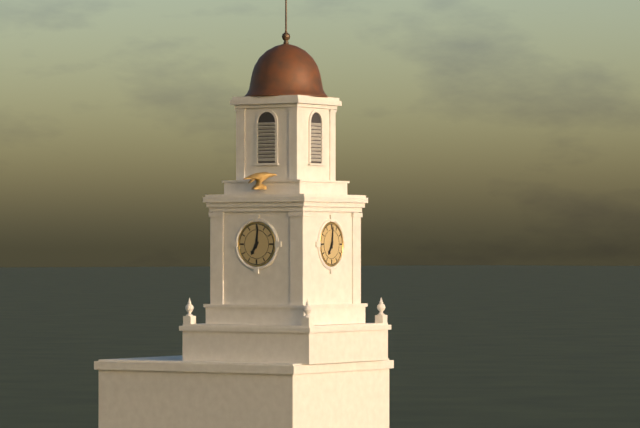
7:01
